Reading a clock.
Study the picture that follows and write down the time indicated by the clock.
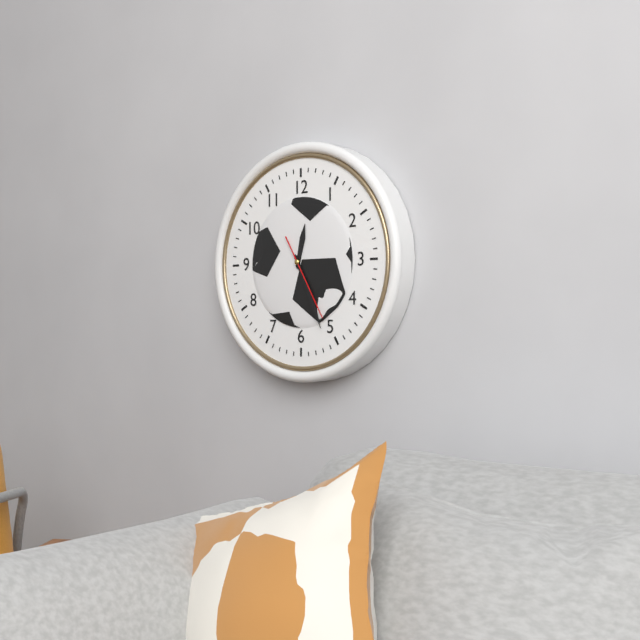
12:26:25
